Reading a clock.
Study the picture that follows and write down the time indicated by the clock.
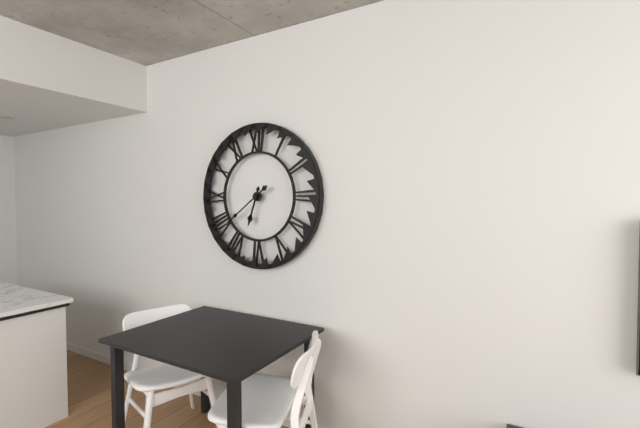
6:39
